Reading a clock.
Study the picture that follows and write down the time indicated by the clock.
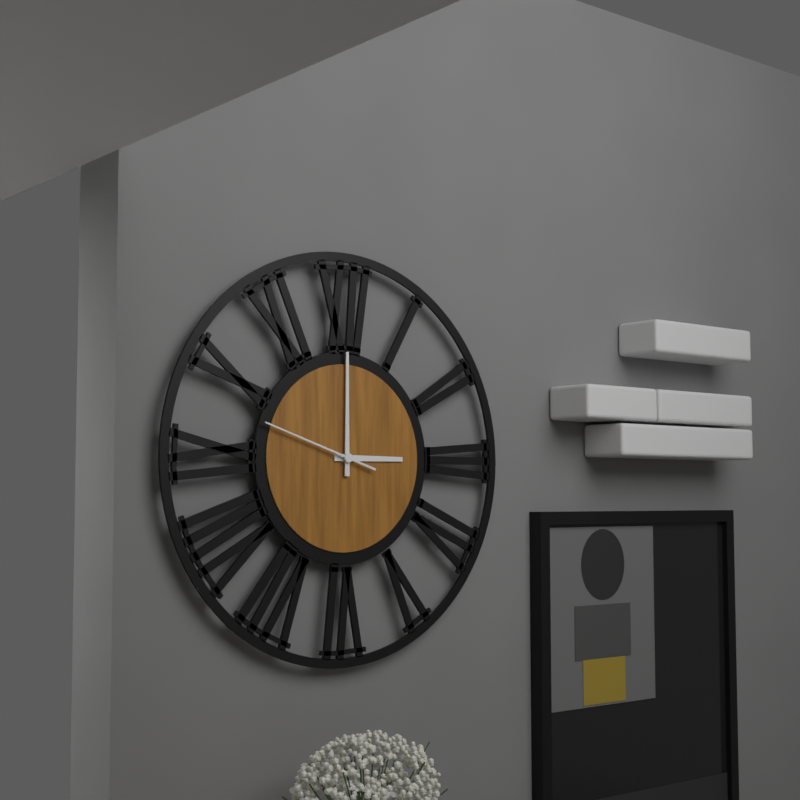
3:00:48
